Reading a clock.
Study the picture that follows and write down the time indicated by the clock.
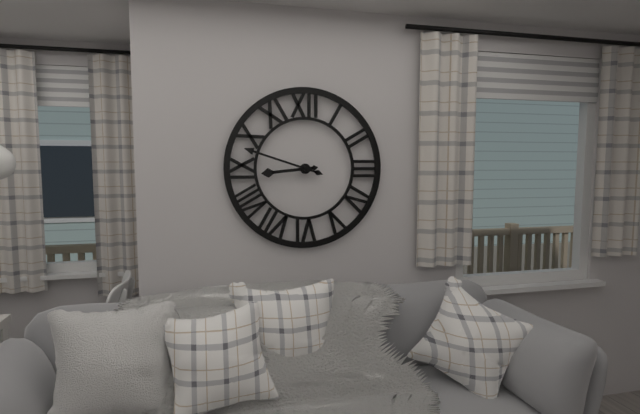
8:48
